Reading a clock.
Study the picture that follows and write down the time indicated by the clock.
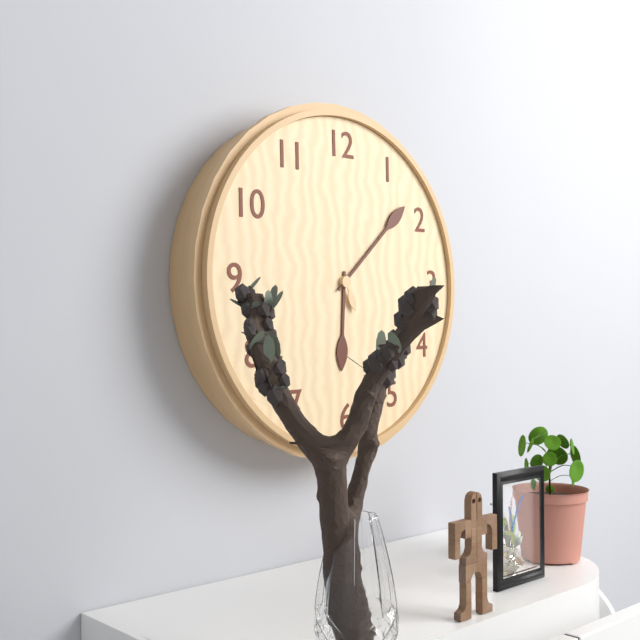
6:08:26
